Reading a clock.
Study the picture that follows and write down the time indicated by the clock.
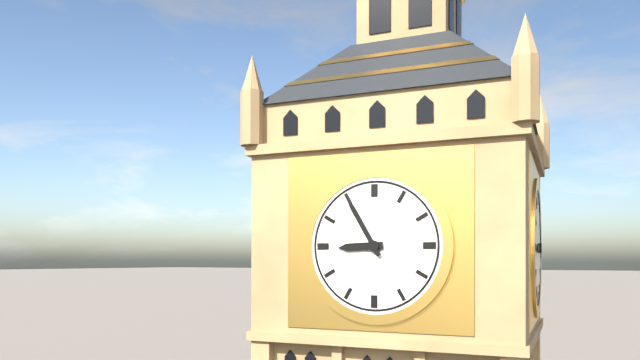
8:55
